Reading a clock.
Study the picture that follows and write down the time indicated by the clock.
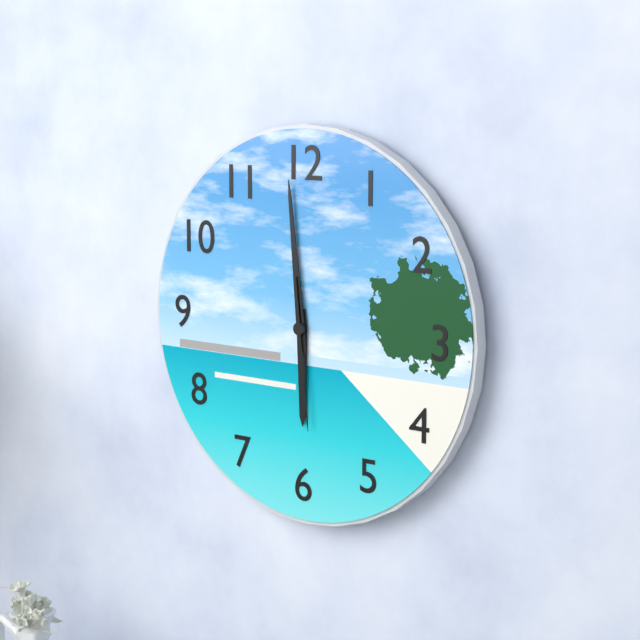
5:59:29
